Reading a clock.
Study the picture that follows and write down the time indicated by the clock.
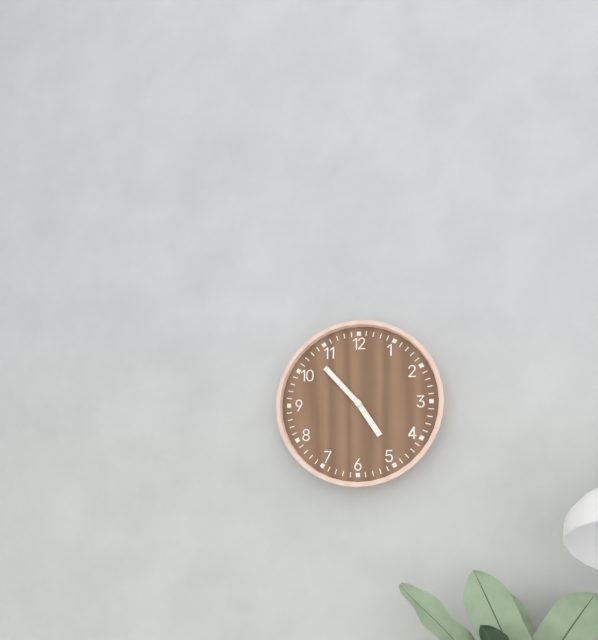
4:53
